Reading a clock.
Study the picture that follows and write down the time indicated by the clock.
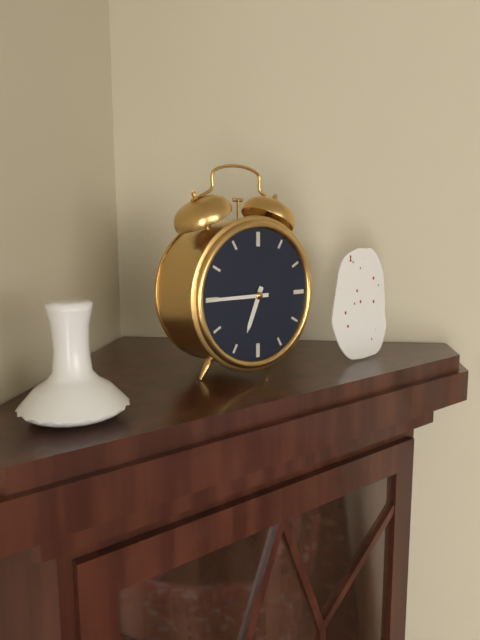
6:45
